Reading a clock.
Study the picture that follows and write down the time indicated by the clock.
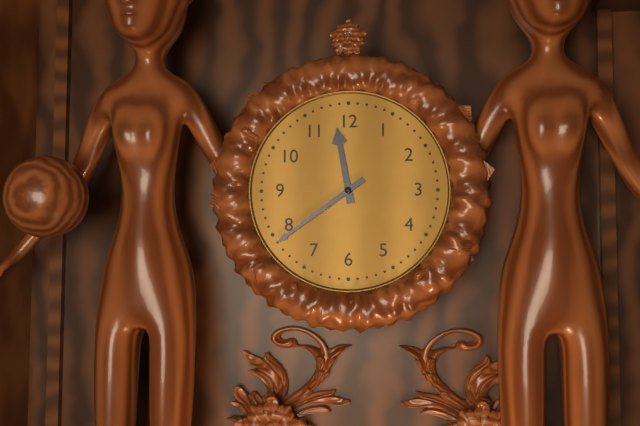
11:39
